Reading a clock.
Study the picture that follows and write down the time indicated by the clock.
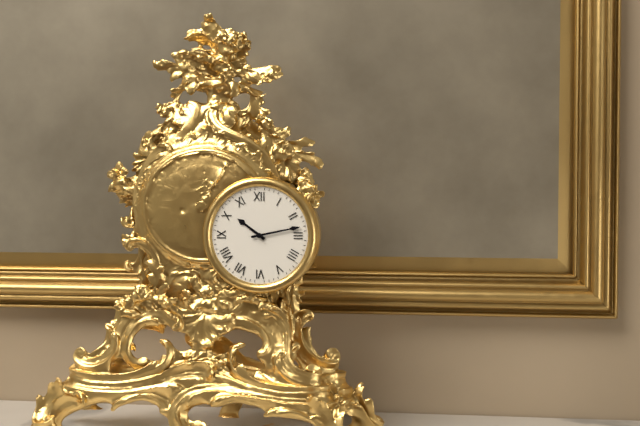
10:13
